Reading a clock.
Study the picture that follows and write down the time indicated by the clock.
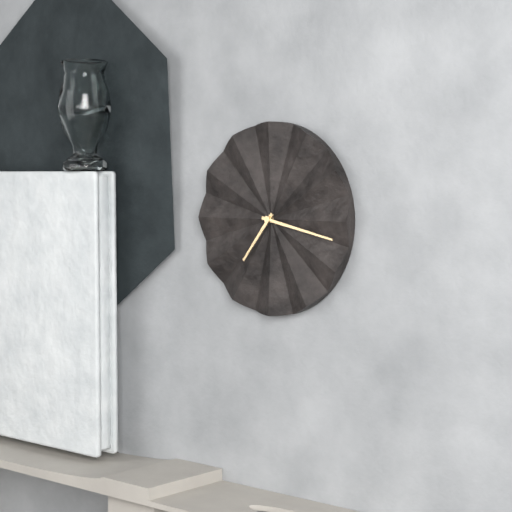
7:17
